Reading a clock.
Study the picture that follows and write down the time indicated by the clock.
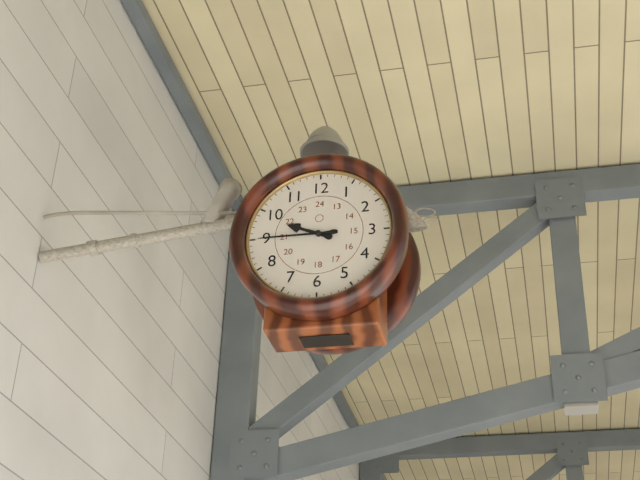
9:45
